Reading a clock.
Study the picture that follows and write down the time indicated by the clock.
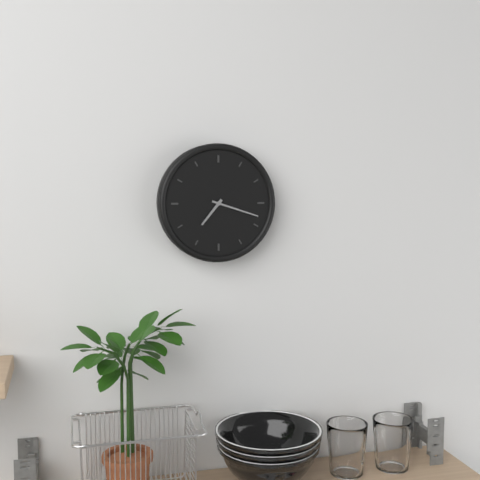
7:18
